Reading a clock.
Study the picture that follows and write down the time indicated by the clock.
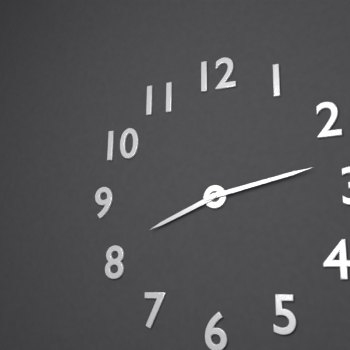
8:13
